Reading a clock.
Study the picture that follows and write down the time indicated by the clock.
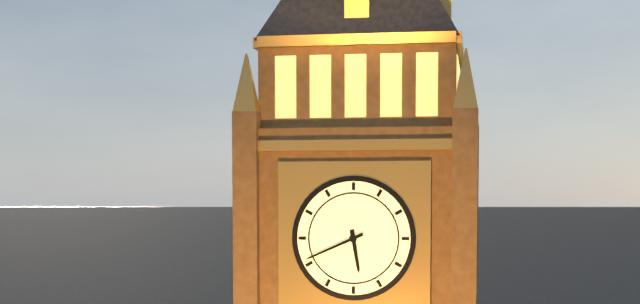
5:41
